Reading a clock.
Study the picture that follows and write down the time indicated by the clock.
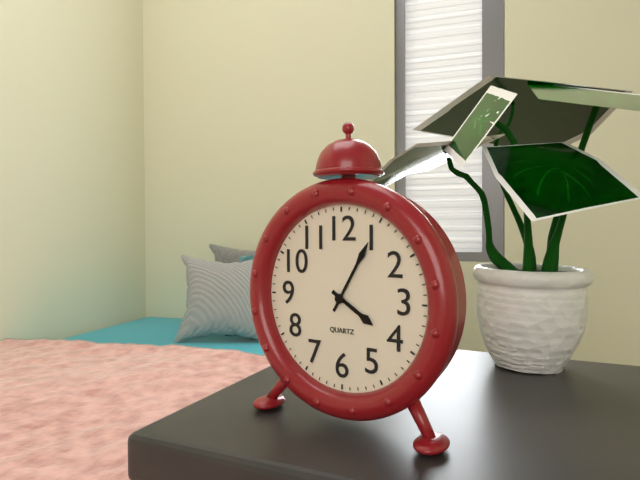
4:05
